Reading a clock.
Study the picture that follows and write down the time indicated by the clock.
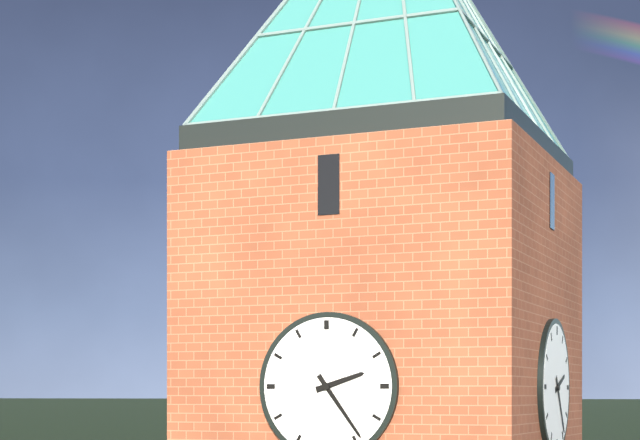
2:24
